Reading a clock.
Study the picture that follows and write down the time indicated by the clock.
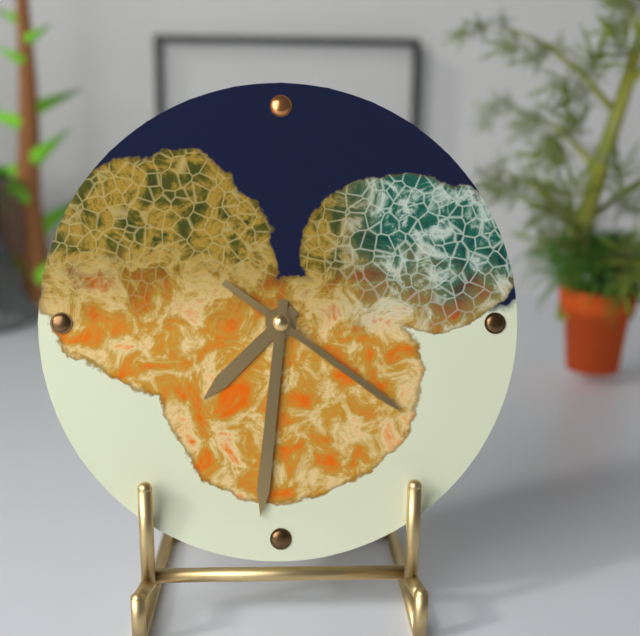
7:31:21
